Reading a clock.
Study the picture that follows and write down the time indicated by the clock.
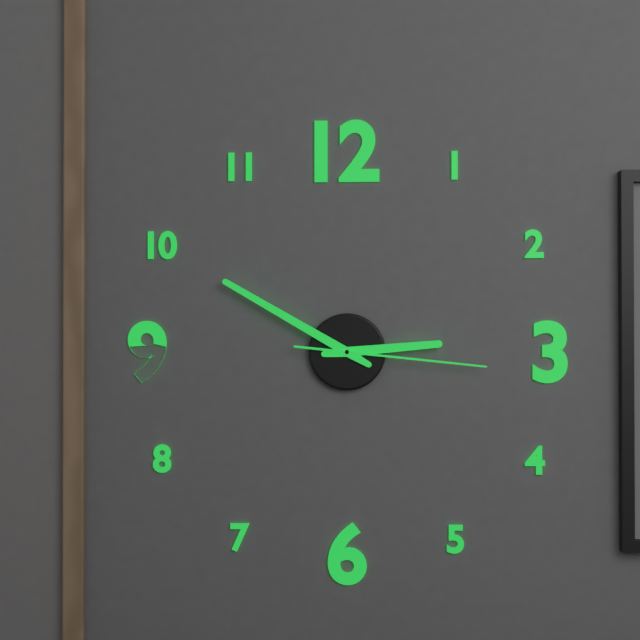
2:50:16
